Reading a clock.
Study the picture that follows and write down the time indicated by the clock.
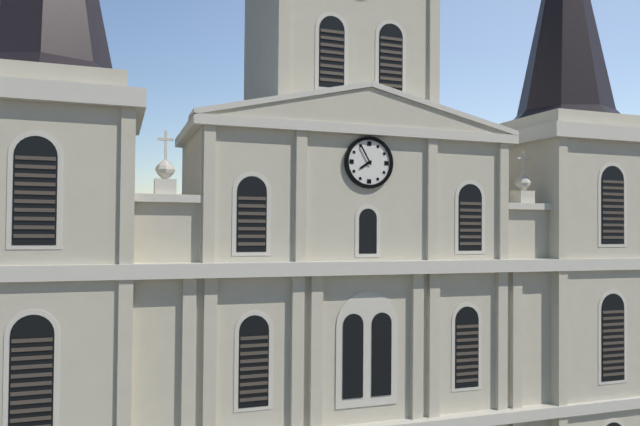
7:55
